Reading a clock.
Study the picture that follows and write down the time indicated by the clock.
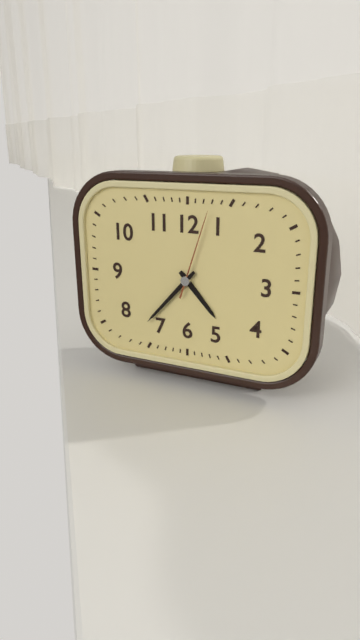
4:37:03
